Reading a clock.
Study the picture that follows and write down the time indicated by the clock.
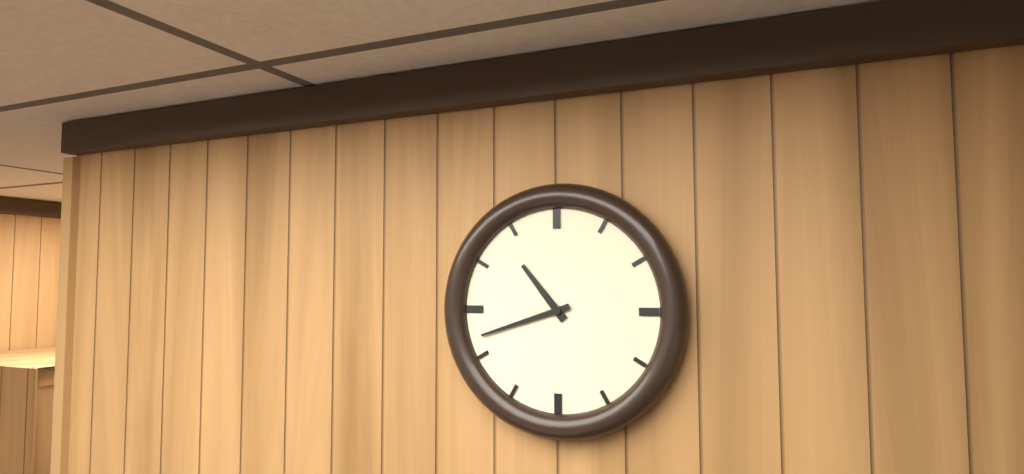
10:42
